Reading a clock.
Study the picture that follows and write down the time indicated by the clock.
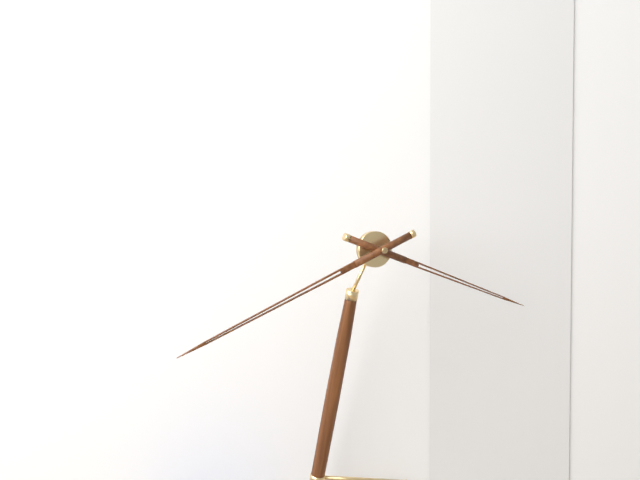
3:41
